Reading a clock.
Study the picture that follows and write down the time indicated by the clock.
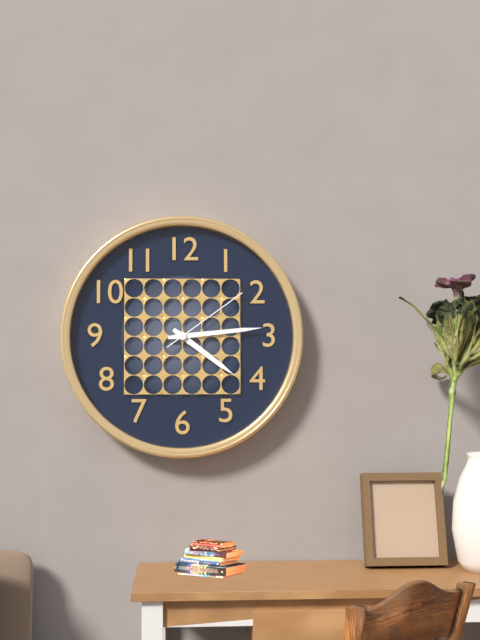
4:14:09
